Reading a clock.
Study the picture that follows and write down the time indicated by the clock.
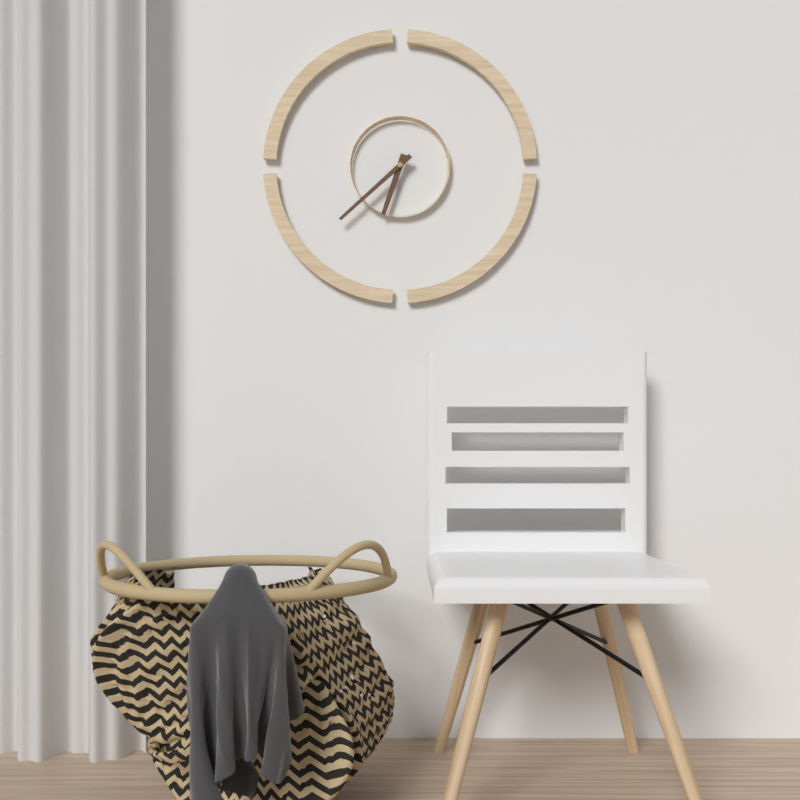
6:38
